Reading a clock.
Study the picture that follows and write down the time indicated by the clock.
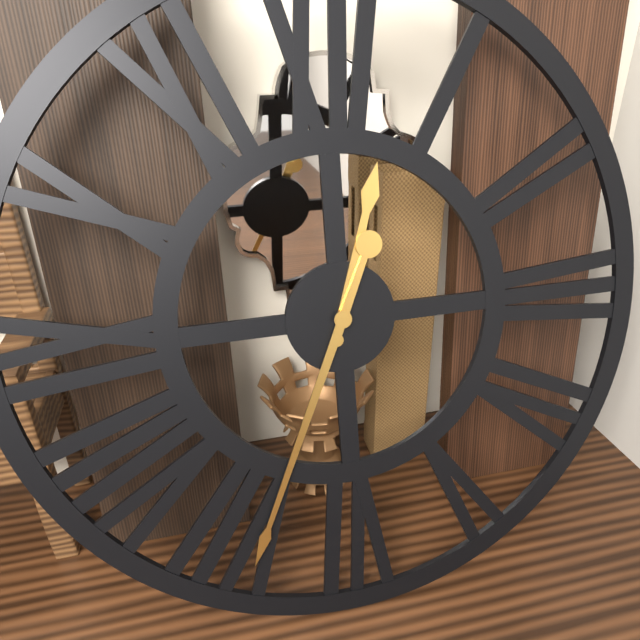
12:34
